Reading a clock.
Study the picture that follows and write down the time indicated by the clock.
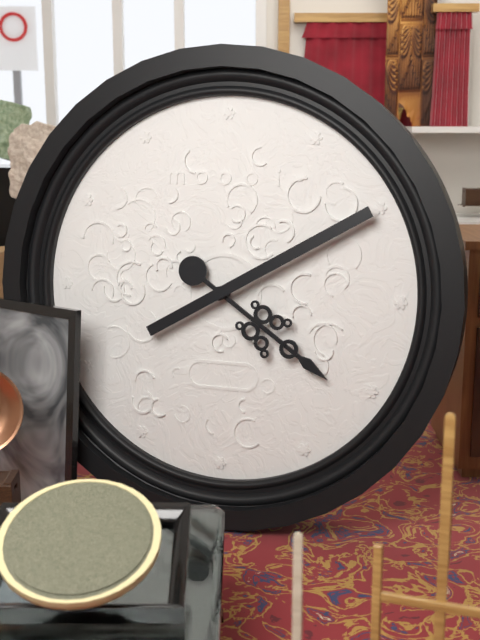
4:10
